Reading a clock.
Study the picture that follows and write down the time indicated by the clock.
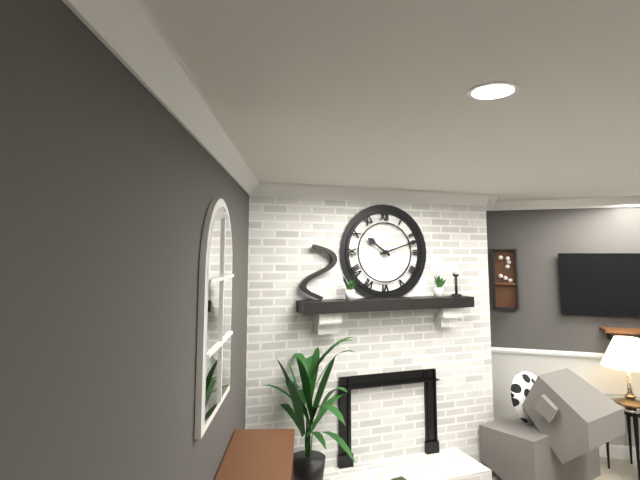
10:12
